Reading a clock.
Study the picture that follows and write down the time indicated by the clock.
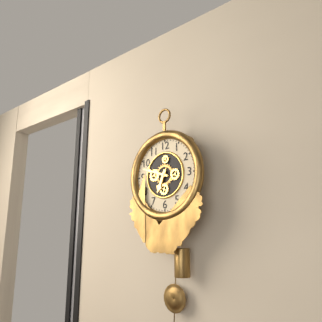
6:48
